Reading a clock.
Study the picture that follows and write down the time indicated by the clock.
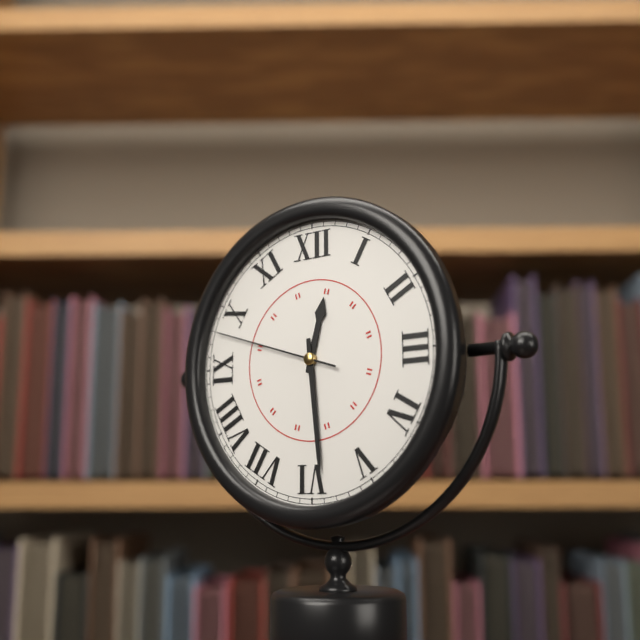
12:29:48
